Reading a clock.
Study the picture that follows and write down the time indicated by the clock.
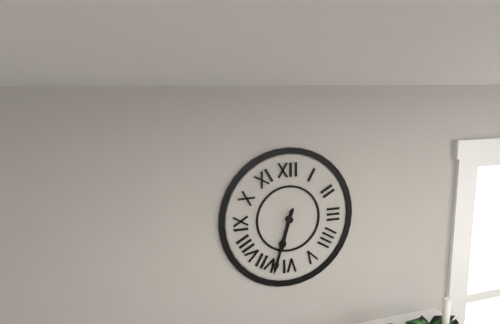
6:33
